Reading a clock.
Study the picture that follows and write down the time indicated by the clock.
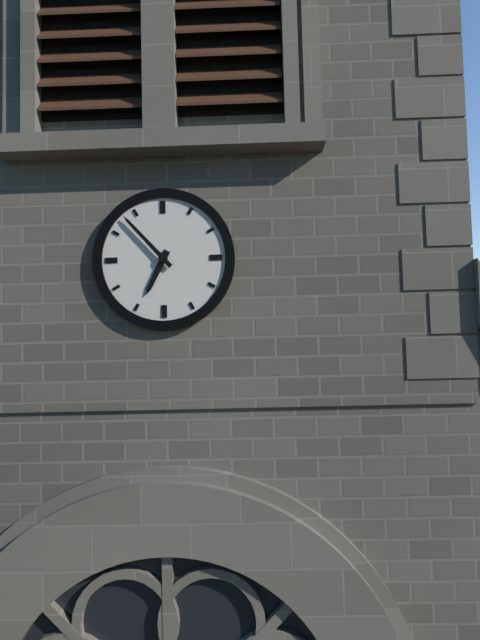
6:53
